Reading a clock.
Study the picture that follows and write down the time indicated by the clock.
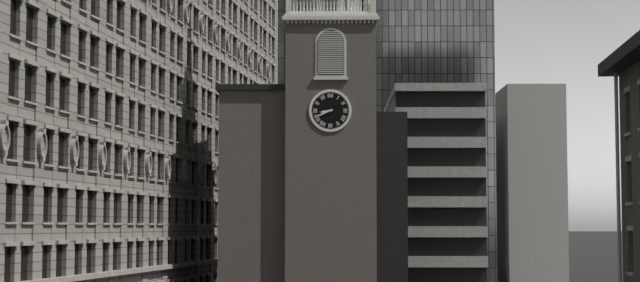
8:41
